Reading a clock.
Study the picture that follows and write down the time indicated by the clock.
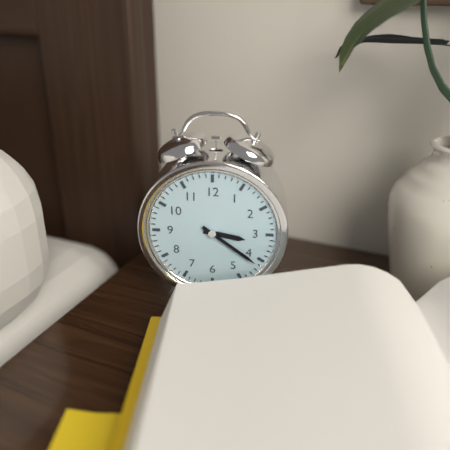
3:21
